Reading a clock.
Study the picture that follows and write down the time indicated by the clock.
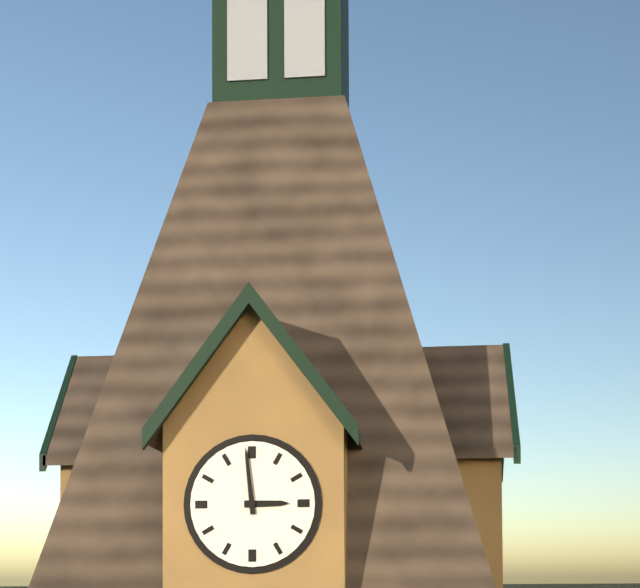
2:59
